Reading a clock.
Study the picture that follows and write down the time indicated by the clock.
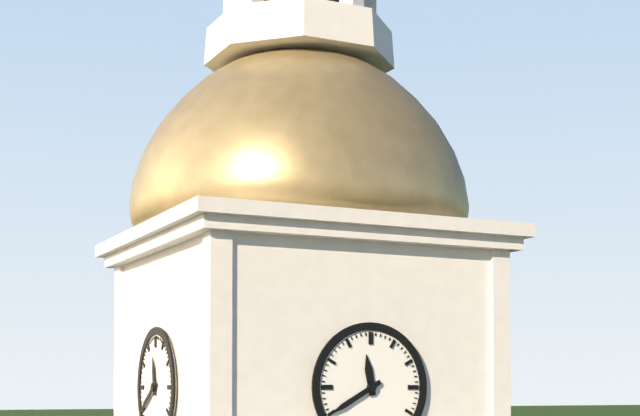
11:40
